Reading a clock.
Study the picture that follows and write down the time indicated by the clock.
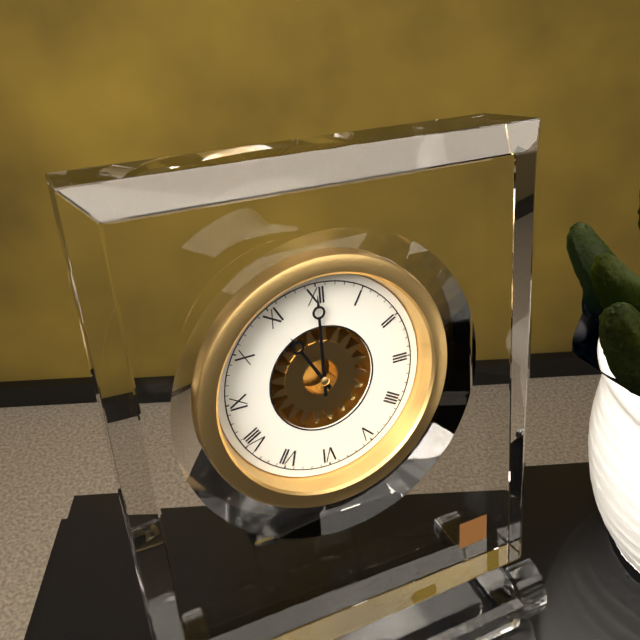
11:00
